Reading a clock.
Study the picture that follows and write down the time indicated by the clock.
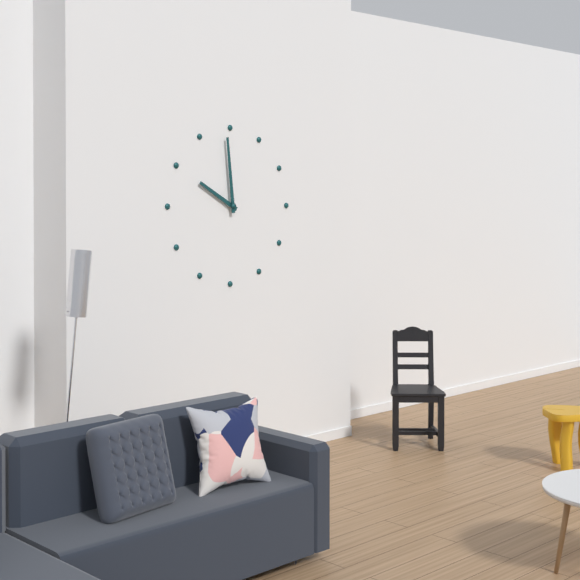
9:59
